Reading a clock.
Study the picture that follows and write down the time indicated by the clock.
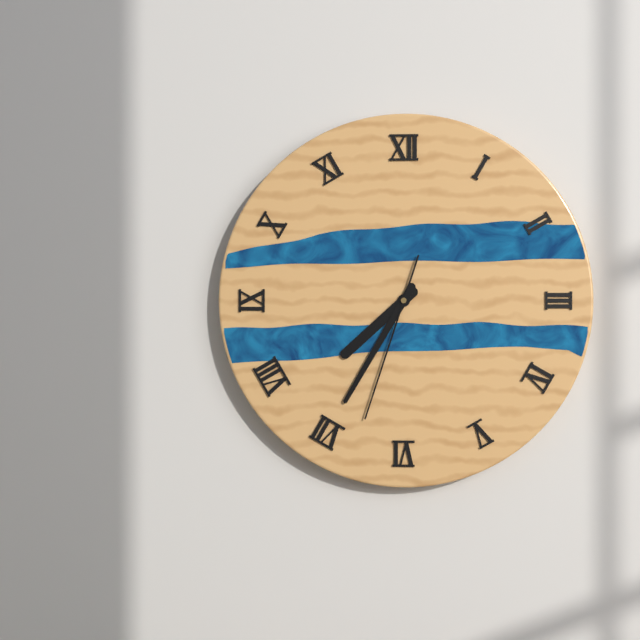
7:35:33
